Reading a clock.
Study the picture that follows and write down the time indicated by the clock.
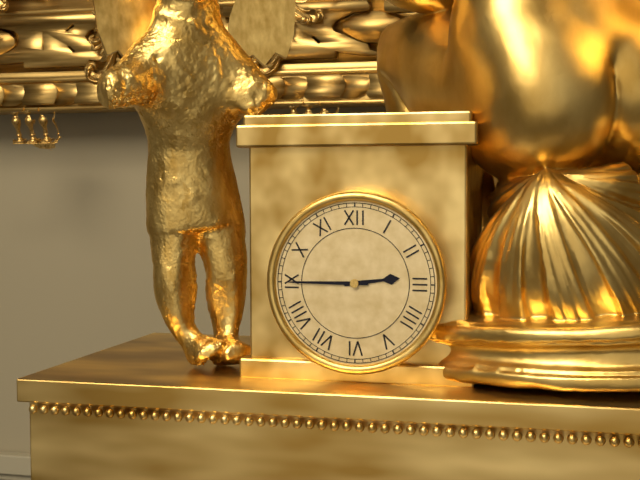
2:45
